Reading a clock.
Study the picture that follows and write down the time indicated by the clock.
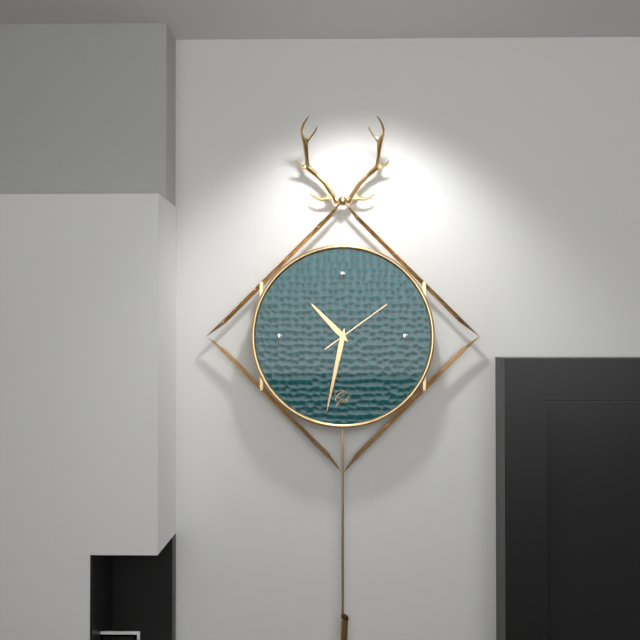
10:32:09
